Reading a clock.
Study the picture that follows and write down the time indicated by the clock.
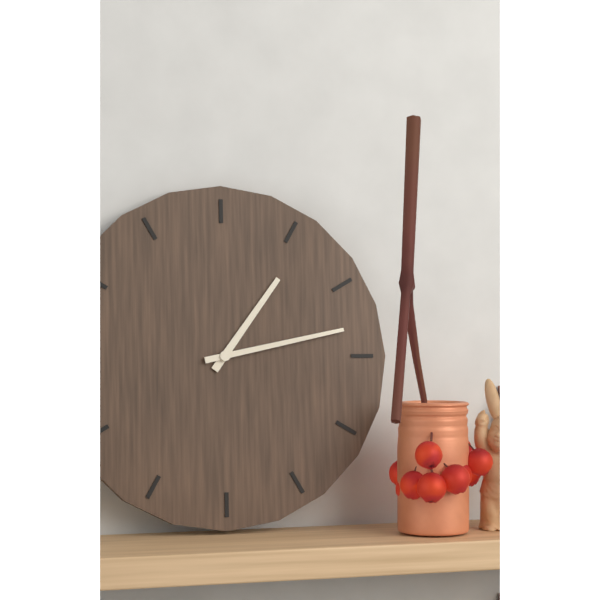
1:13
